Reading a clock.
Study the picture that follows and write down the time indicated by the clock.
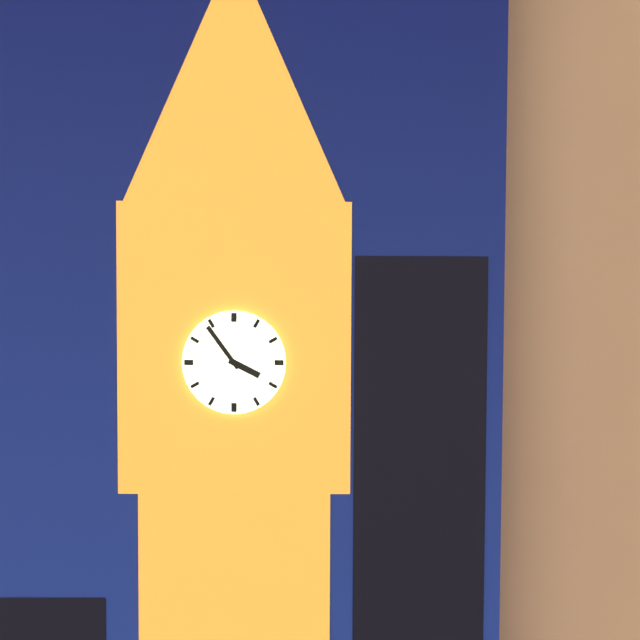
3:54
